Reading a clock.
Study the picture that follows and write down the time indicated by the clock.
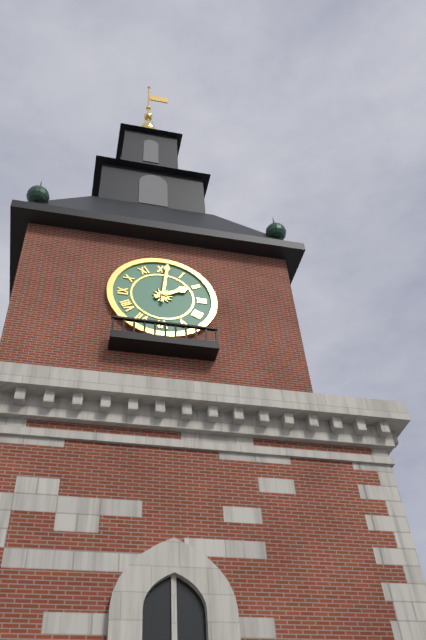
2:01
